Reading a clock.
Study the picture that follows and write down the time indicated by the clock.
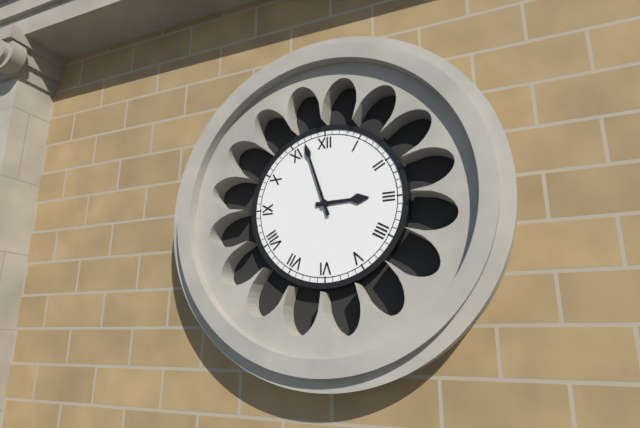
2:57
